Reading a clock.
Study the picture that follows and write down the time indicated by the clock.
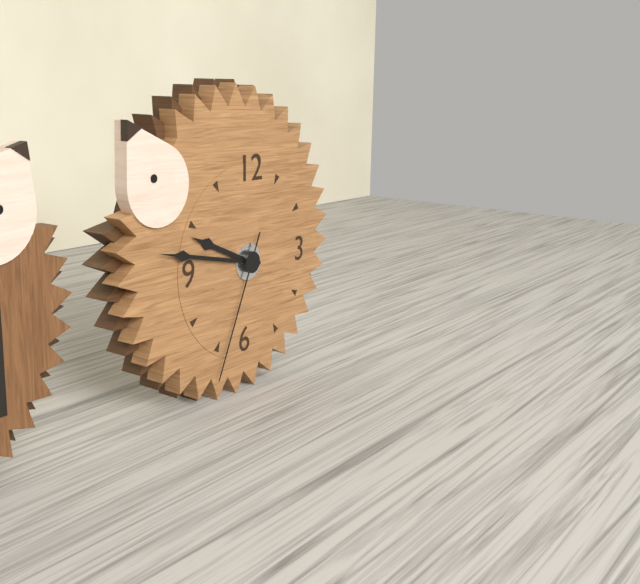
9:47:34
